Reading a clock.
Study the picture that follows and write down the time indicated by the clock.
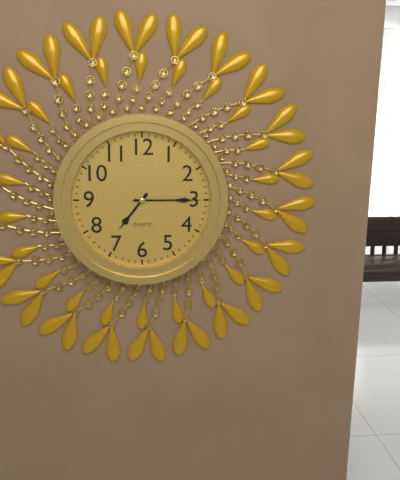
7:15
